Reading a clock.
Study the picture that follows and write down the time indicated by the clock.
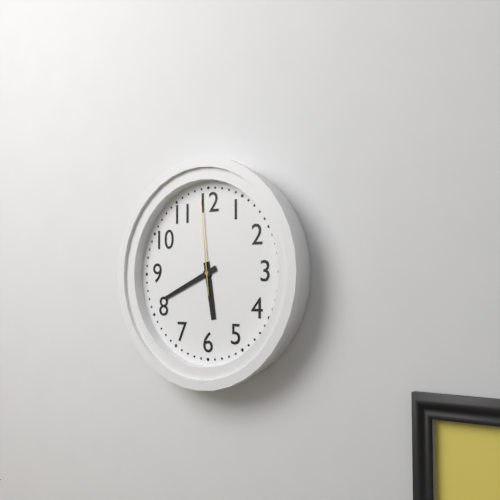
5:41:59
